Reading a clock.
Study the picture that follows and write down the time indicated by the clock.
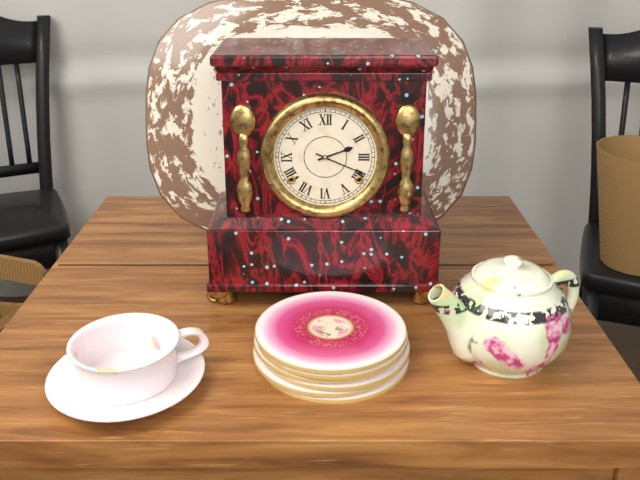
2:19
